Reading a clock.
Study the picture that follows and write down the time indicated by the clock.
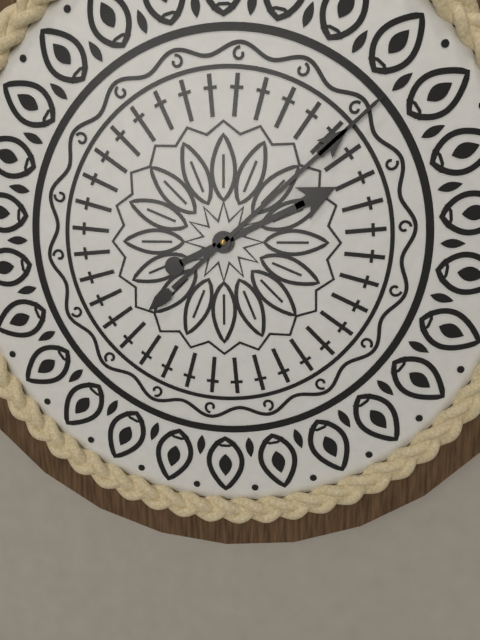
2:08
